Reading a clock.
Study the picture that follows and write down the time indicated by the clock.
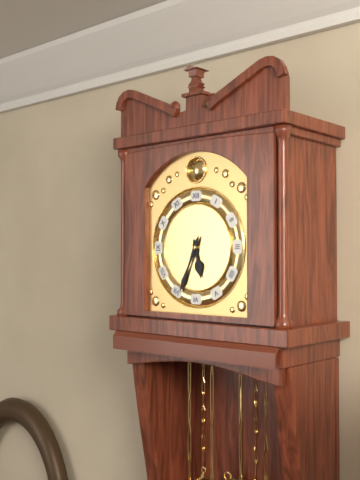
5:34
